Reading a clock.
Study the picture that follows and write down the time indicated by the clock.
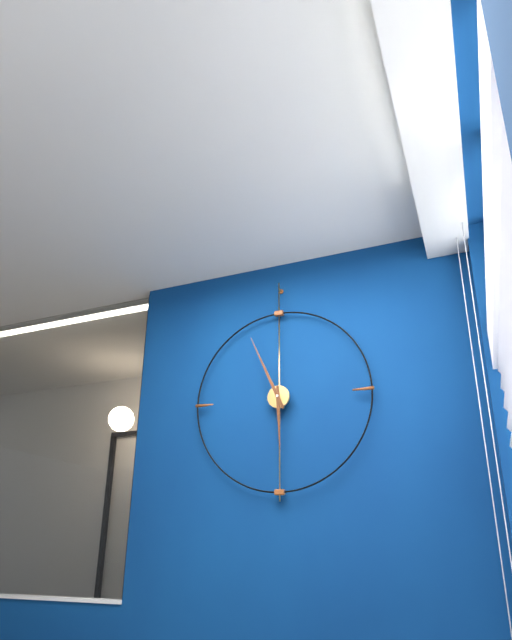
5:56
